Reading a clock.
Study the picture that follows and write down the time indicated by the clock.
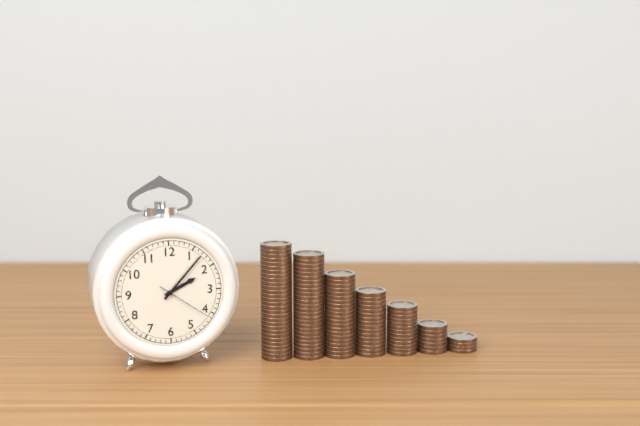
2:07:21
